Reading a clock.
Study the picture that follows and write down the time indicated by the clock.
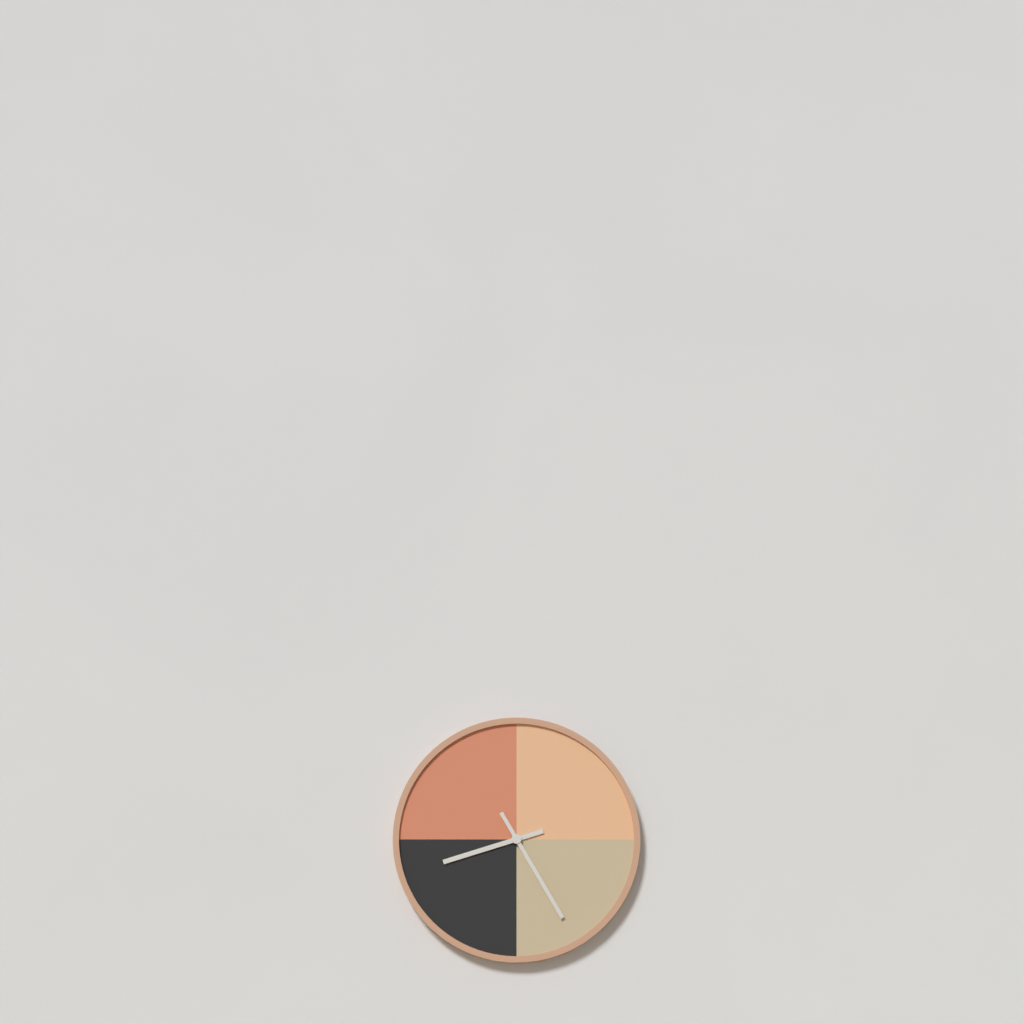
8:25
